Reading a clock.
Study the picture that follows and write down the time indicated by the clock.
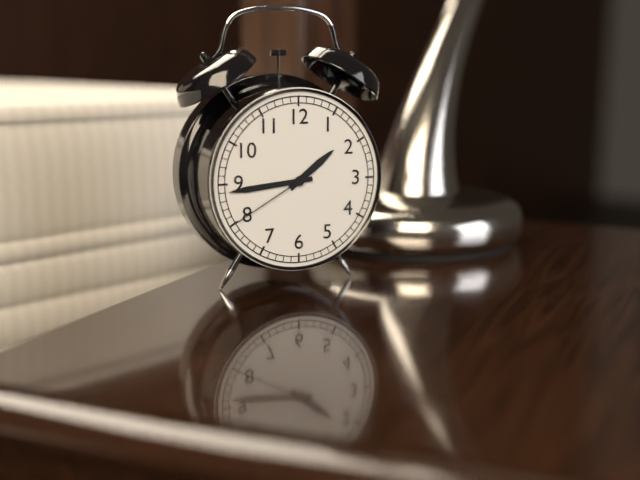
1:44:40
